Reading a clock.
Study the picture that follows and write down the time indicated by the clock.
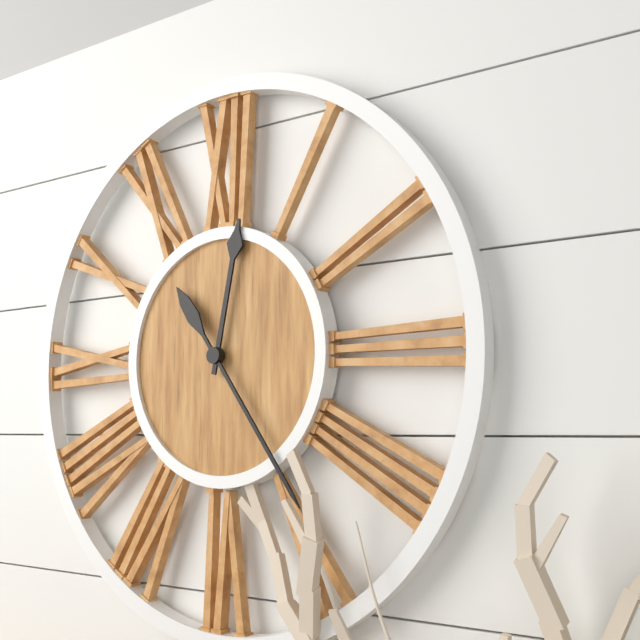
12:24
